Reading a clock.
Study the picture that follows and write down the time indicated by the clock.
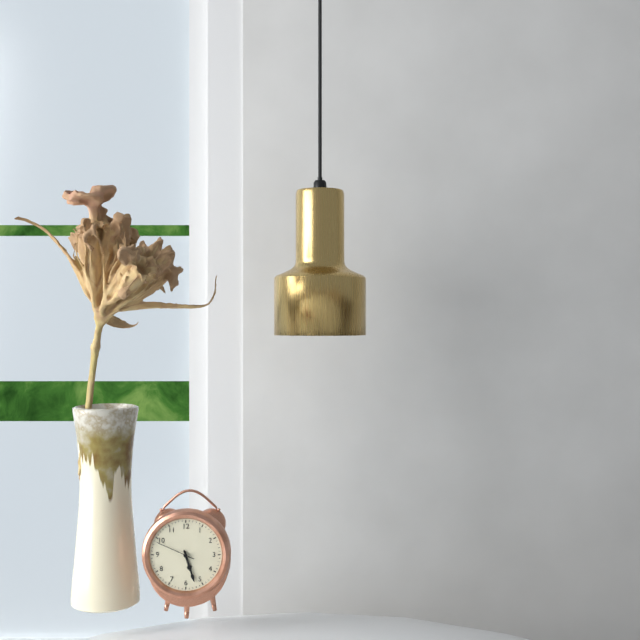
5:27
